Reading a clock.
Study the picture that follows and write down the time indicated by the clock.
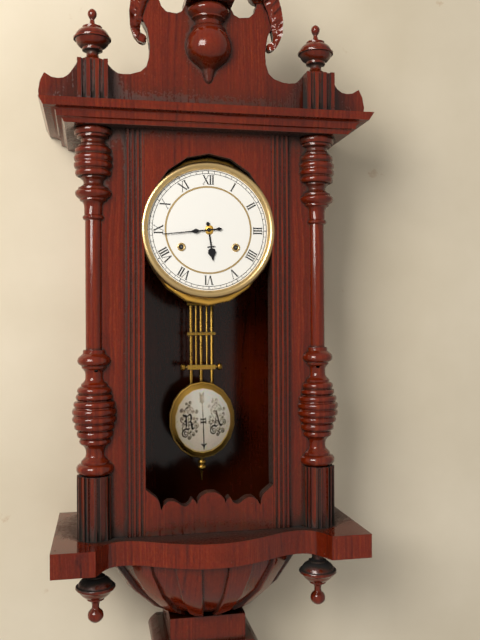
5:44
